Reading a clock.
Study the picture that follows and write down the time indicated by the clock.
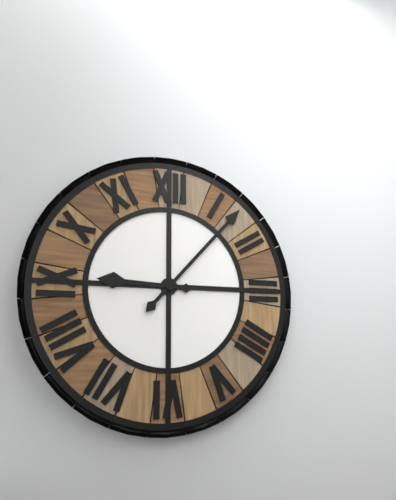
9:07
